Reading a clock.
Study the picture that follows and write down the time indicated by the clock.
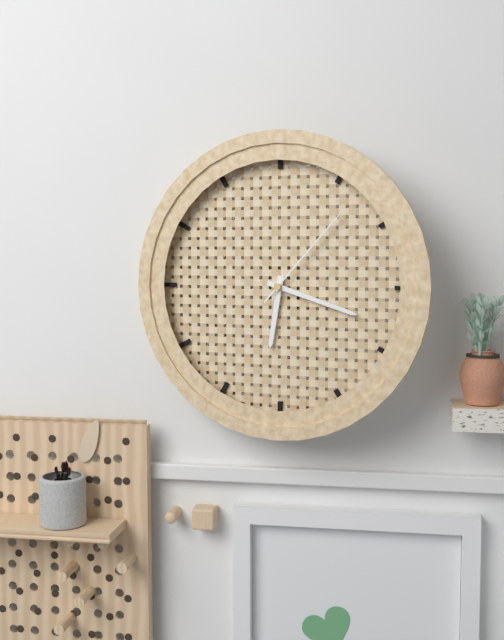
6:18:07
